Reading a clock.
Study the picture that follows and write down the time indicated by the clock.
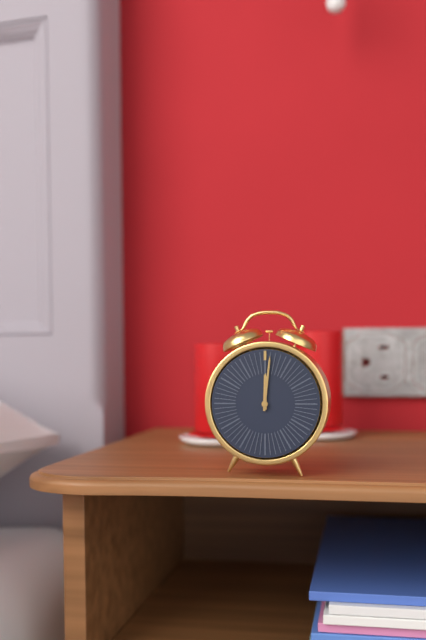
12:01
